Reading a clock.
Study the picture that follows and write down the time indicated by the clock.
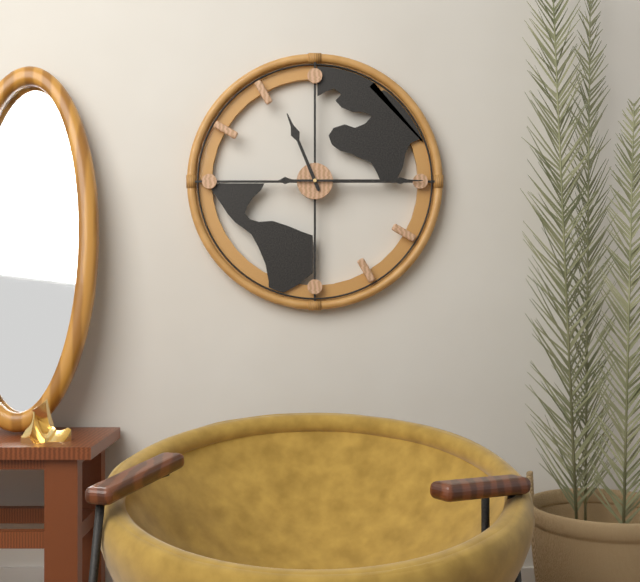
11:15
